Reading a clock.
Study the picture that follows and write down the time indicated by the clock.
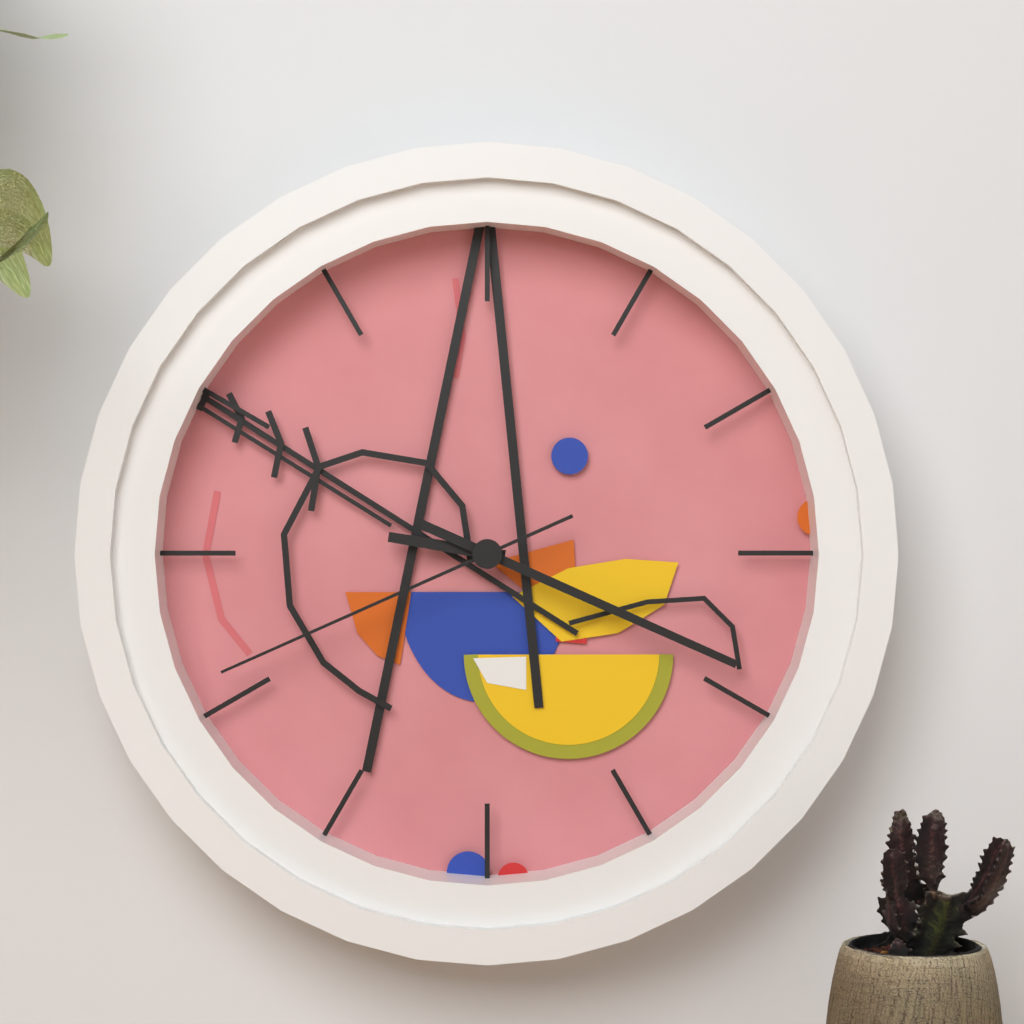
9:19:41
